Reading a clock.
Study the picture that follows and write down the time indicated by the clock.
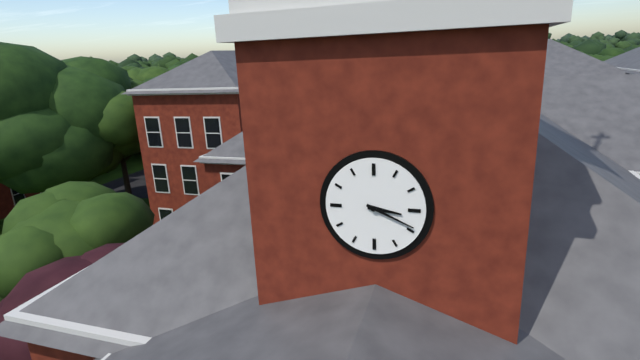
3:19
